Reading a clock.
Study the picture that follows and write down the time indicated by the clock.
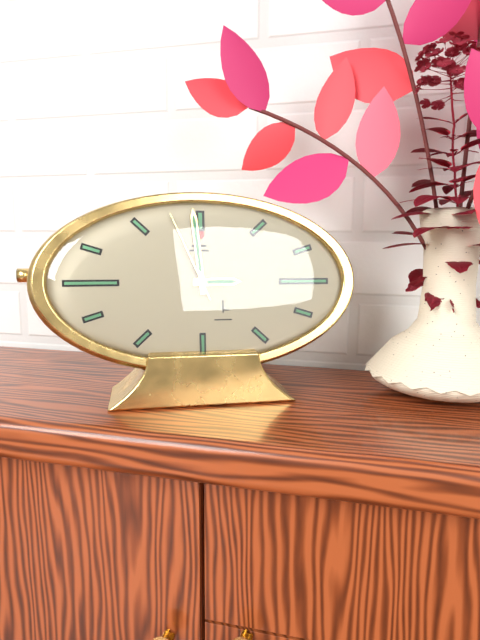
2:59:56
